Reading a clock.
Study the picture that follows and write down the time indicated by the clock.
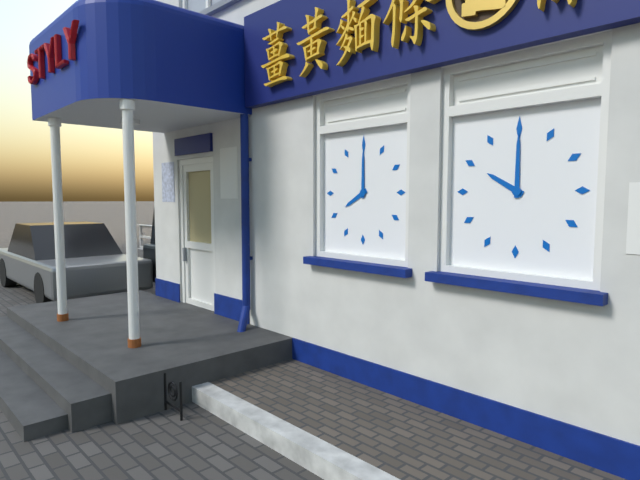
8:00
